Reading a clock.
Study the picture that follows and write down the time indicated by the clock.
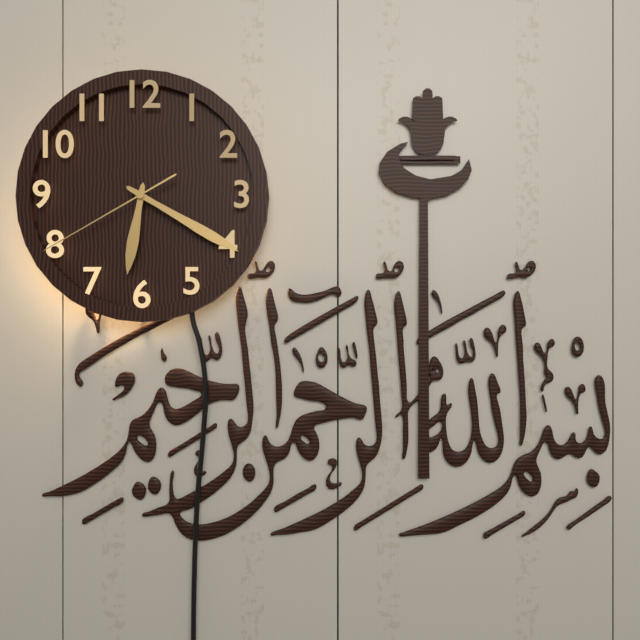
6:20:40
